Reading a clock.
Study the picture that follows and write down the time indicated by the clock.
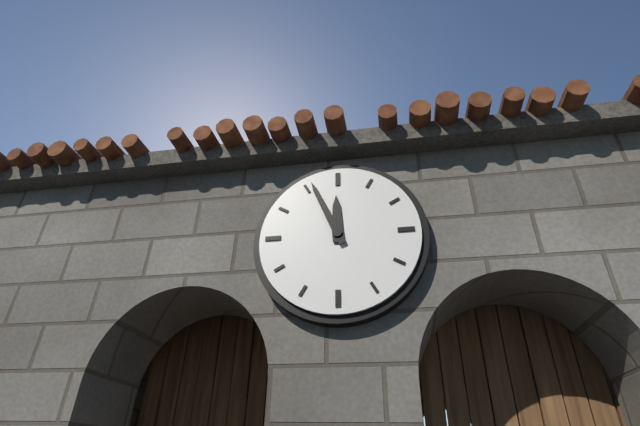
11:56
